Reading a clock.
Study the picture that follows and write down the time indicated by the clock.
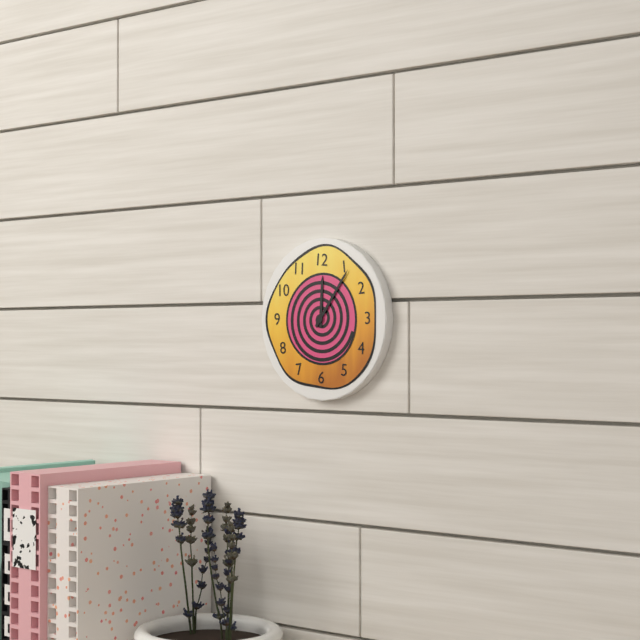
12:06
